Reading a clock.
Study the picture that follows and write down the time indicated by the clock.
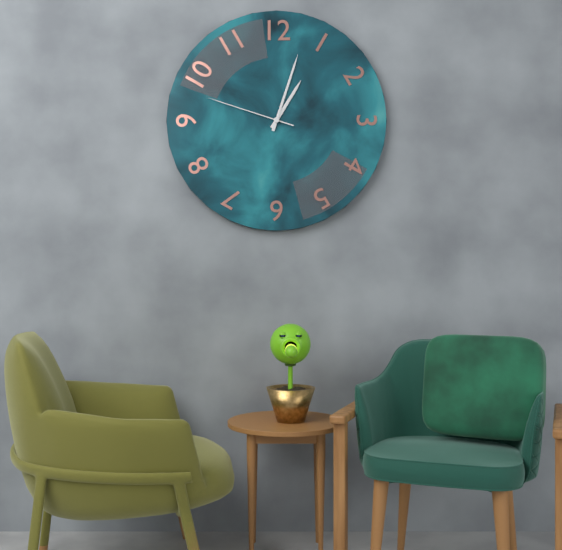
1:03:48
